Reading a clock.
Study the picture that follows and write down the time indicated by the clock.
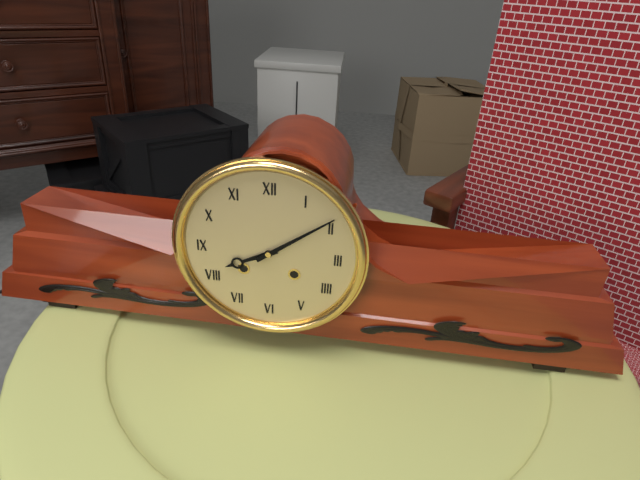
8:09
